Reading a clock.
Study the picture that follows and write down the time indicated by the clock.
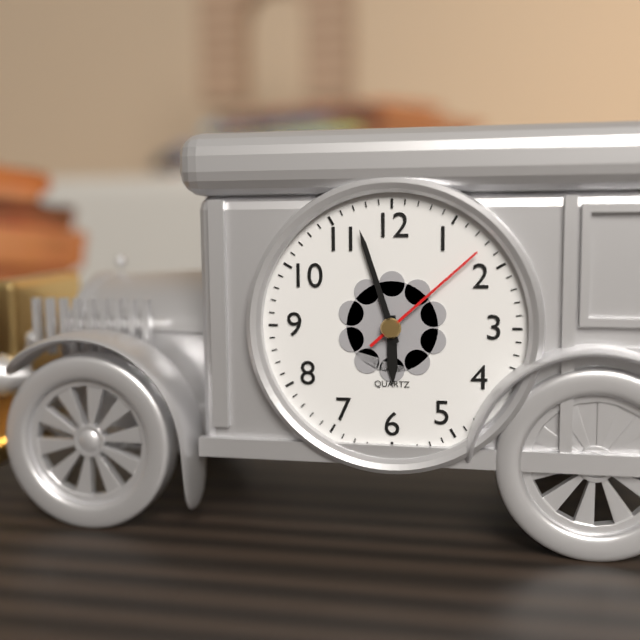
5:57:08
